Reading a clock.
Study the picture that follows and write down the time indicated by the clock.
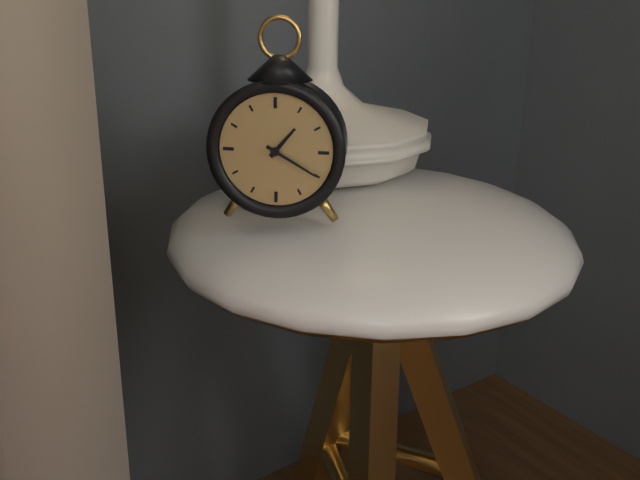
1:20
